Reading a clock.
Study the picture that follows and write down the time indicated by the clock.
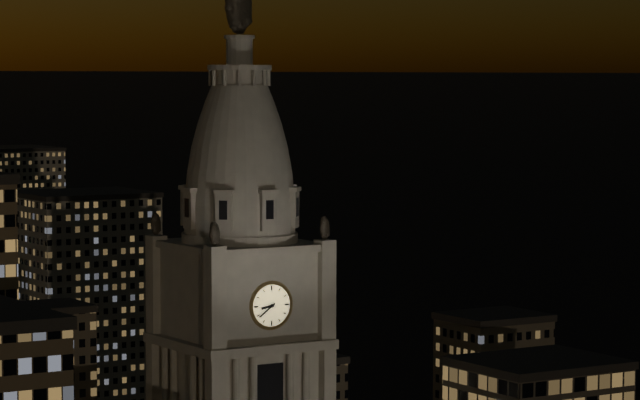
8:39
